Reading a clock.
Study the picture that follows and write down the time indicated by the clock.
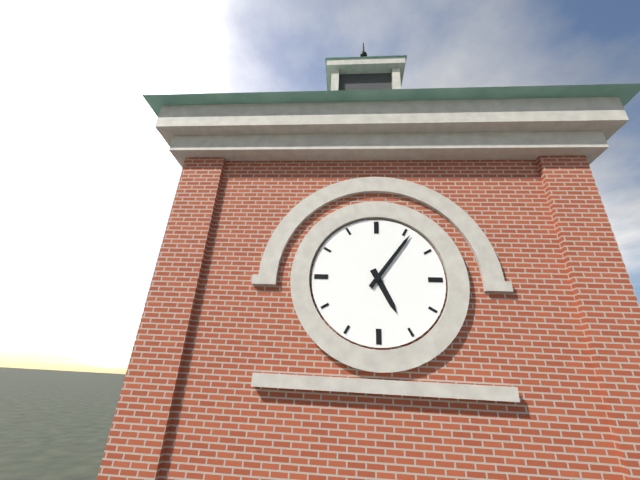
5:06
